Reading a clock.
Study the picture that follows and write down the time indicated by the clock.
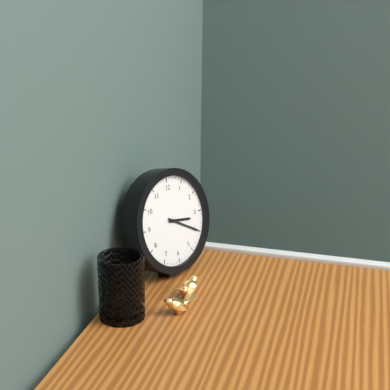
3:20
